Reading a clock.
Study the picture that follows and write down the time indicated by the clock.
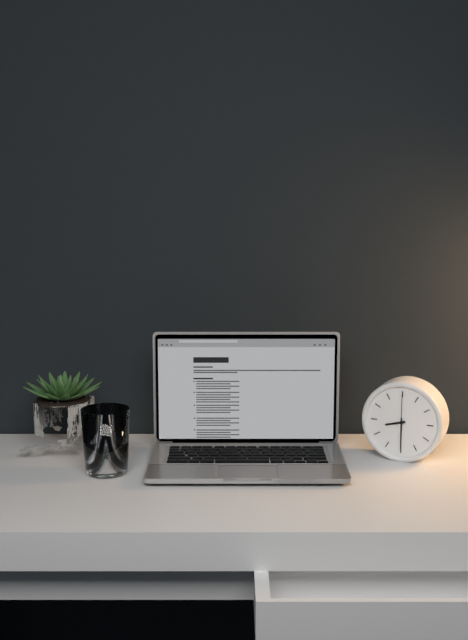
8:30
